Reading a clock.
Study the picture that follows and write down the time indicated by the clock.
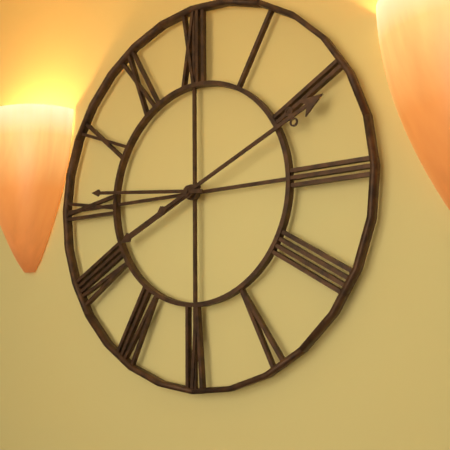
8:11:46
